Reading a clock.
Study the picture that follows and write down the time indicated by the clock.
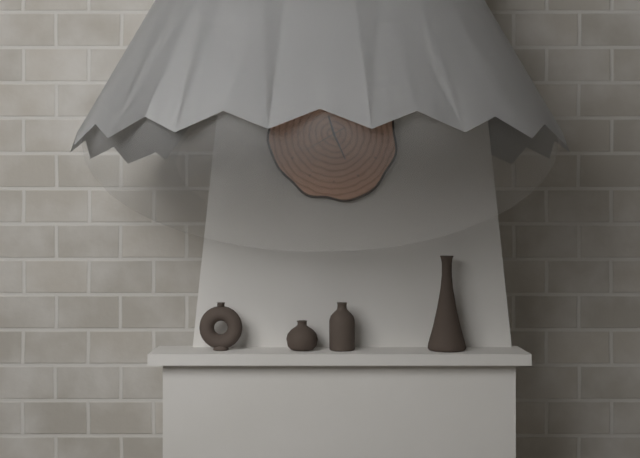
11:26
